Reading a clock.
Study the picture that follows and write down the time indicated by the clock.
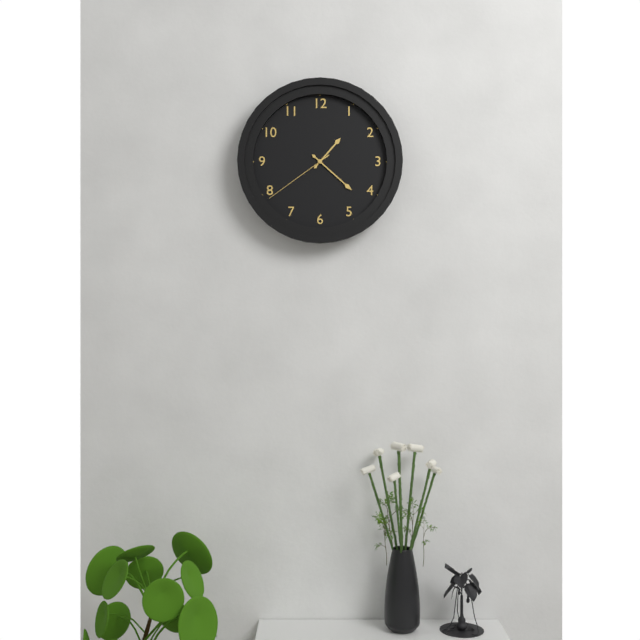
1:22:39
